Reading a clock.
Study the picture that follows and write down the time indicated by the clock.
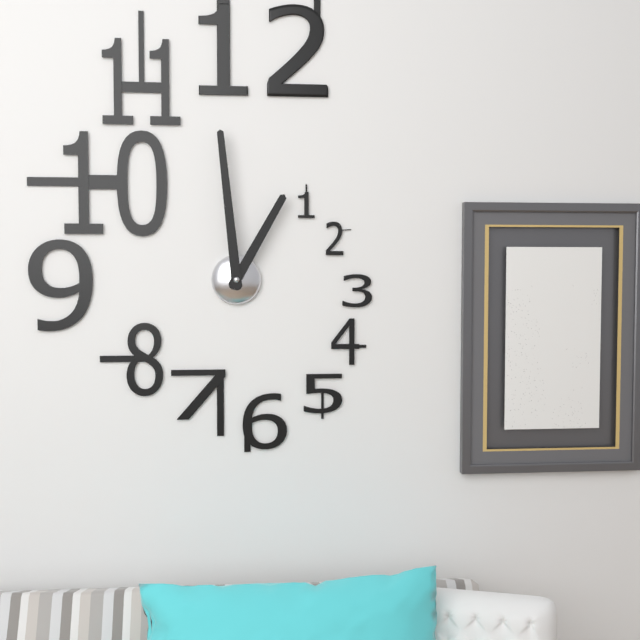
12:59
